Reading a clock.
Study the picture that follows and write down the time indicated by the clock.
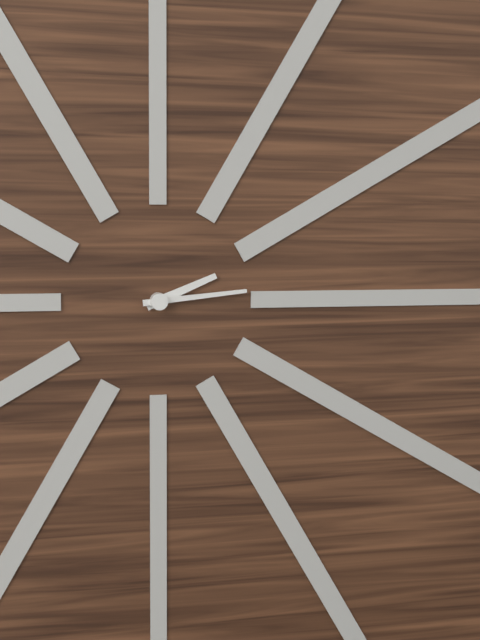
2:14
